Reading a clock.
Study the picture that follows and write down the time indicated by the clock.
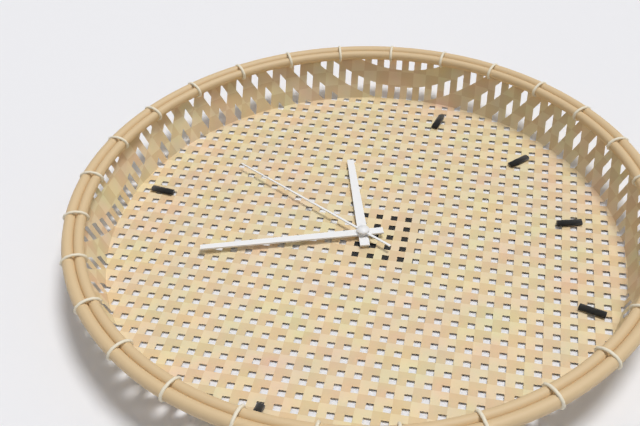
8:27:35
